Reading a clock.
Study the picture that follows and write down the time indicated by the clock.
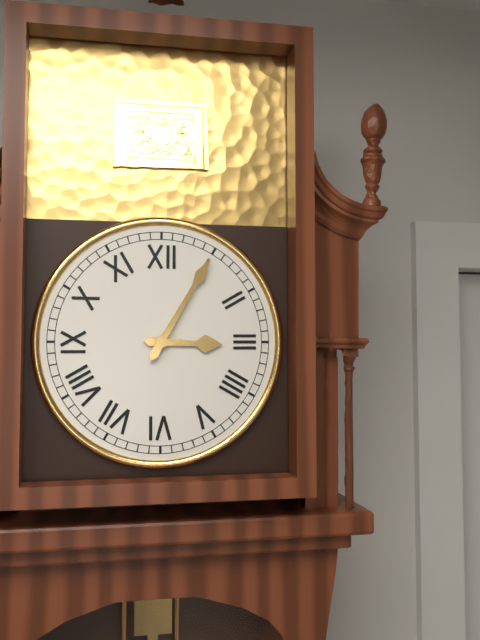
3:05
